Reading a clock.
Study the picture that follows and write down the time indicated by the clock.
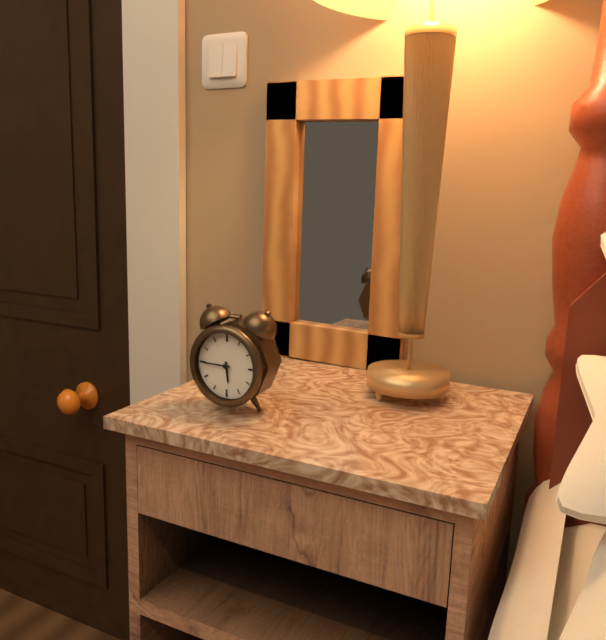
5:45
